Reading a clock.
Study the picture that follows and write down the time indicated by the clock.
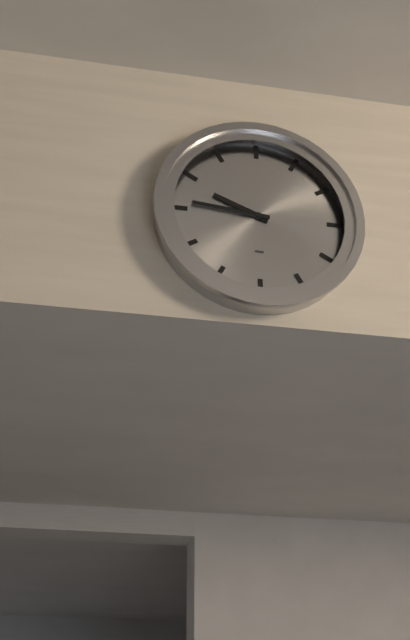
9:46
